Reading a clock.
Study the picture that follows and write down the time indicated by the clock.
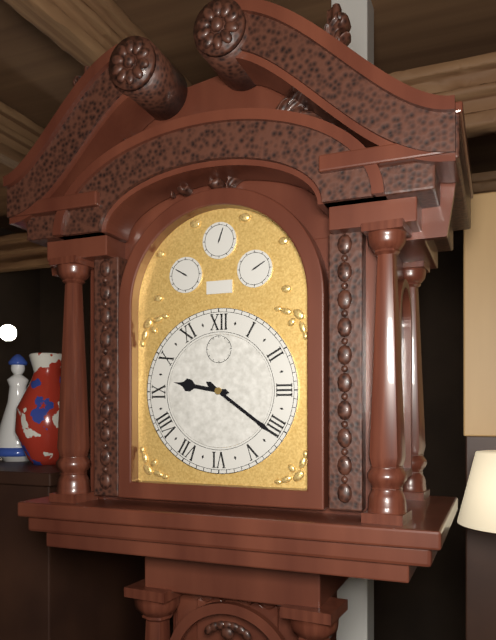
9:21
